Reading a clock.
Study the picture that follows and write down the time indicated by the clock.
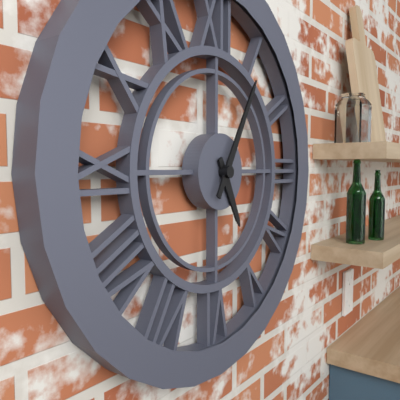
5:05
